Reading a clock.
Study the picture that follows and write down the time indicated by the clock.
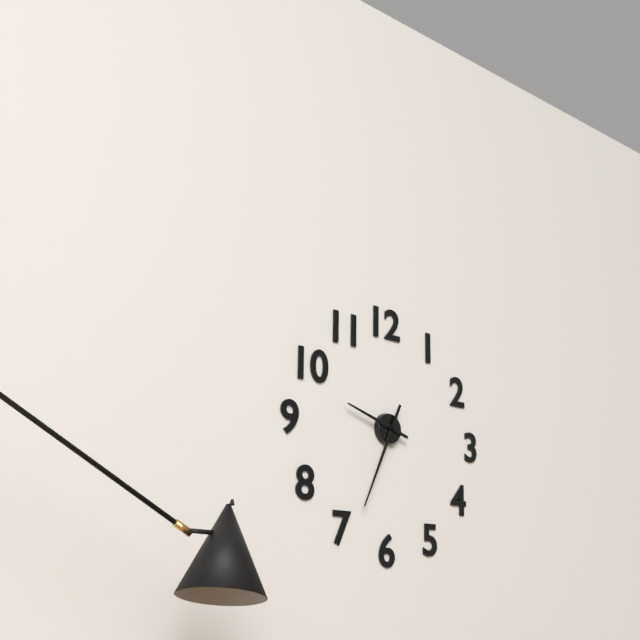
9:34
